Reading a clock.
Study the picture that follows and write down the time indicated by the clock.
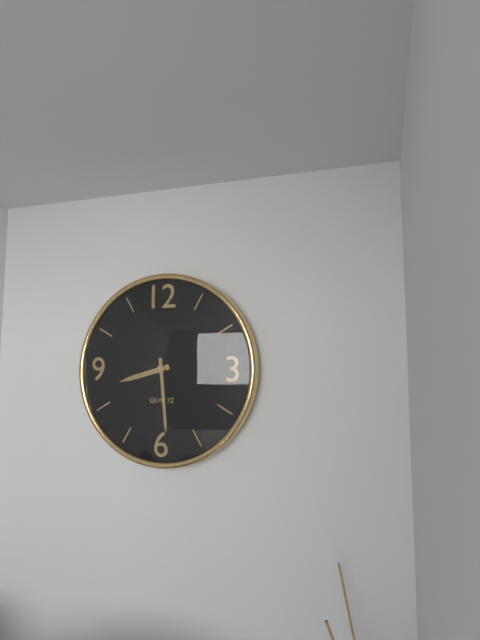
8:29
